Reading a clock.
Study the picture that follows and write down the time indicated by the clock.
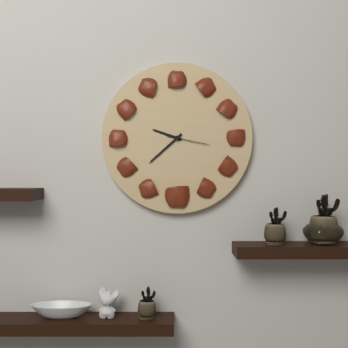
9:38
